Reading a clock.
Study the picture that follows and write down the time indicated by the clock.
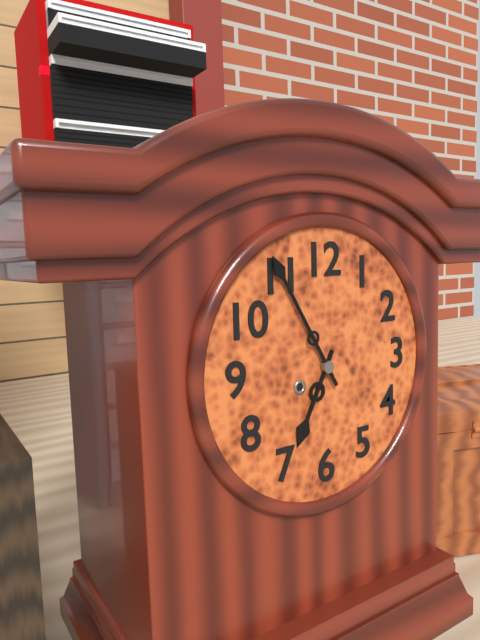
6:55
